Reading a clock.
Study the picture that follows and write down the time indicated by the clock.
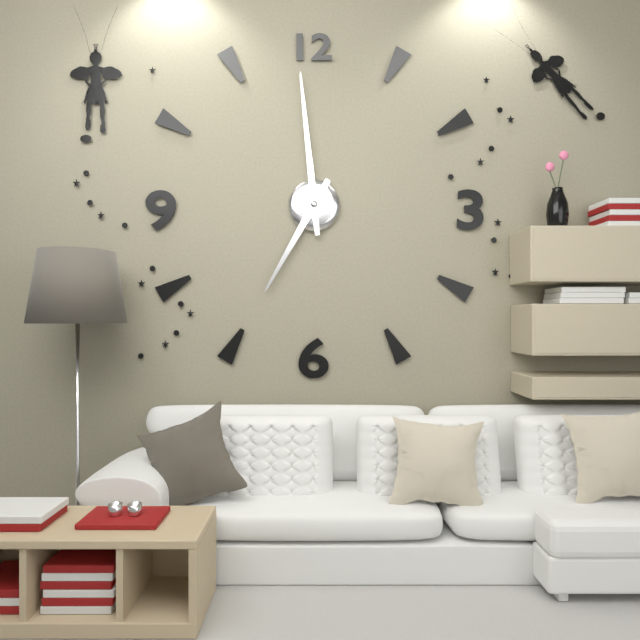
6:59
